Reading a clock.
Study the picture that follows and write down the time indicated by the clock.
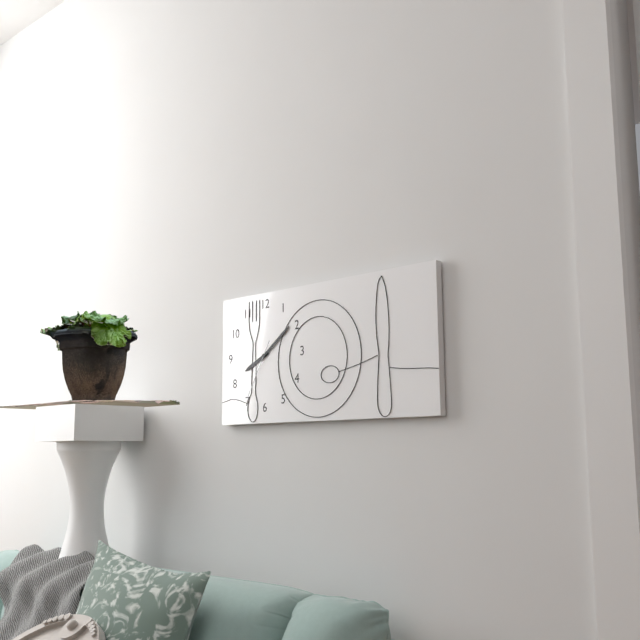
8:09:35
